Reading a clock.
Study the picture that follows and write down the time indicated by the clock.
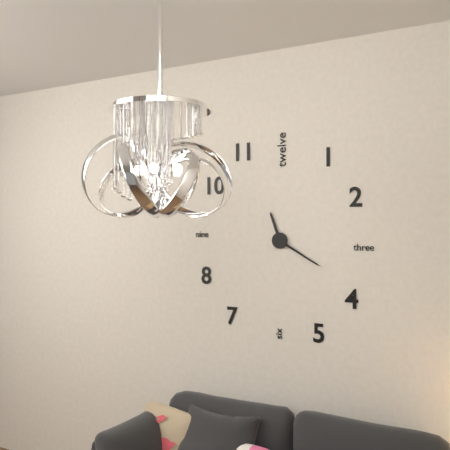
11:20
